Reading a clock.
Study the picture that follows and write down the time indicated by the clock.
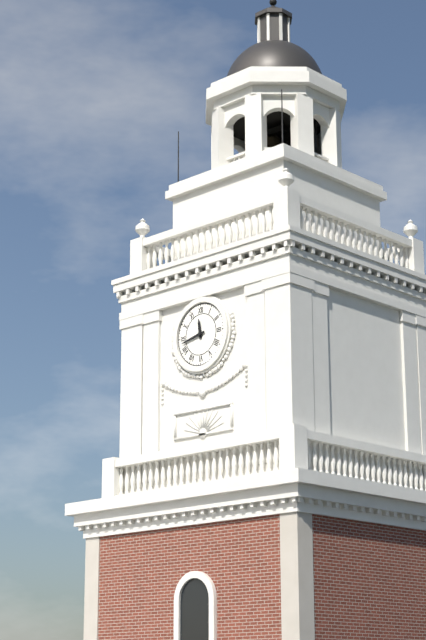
11:43
